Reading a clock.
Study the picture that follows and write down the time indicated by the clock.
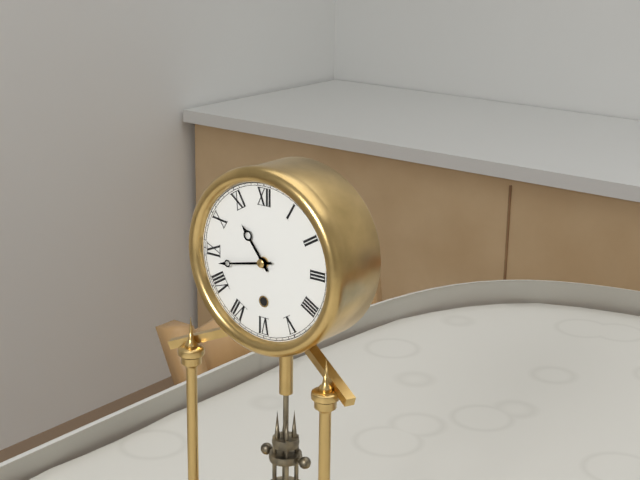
10:43
